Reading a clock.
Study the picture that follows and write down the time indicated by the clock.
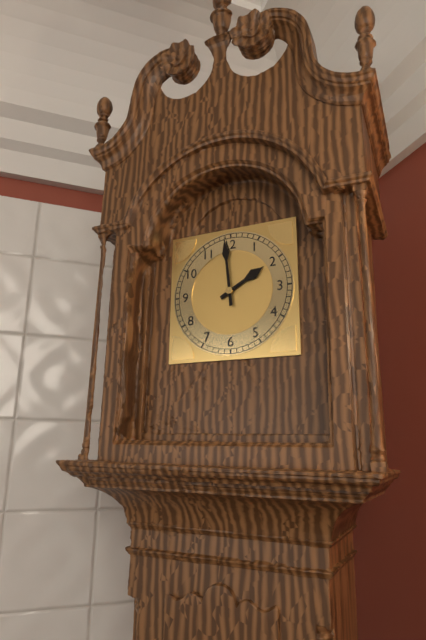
1:59
